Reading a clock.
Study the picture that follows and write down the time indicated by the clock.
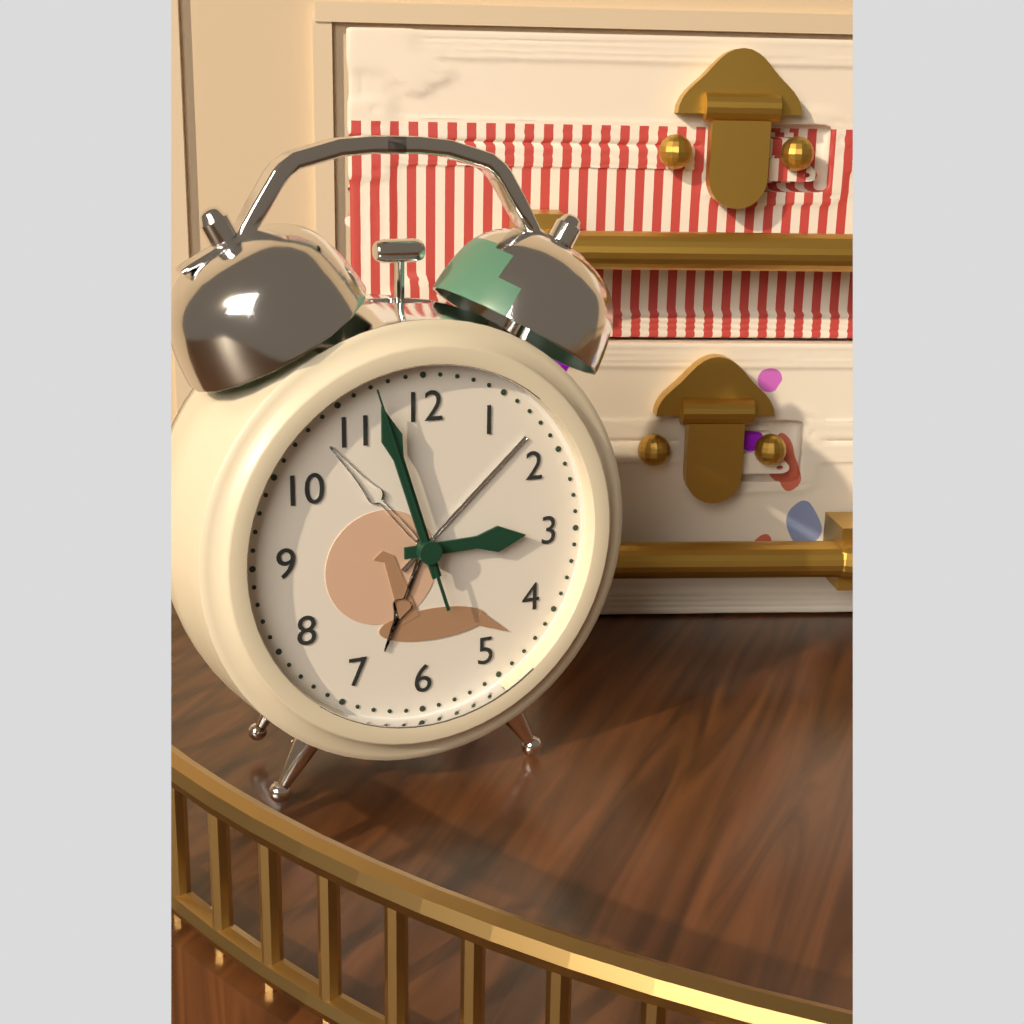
2:57:57
